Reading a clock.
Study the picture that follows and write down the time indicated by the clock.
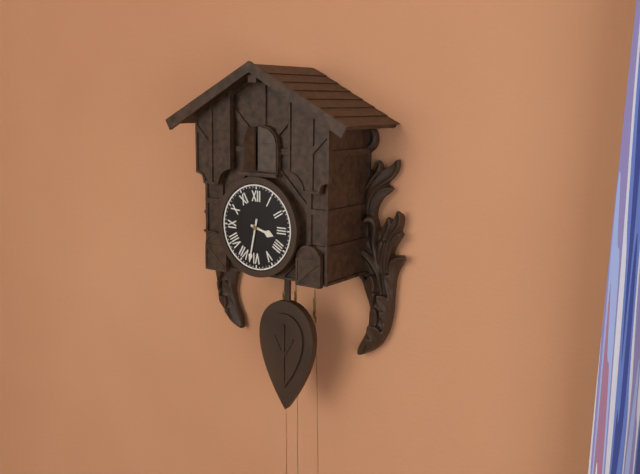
3:32
